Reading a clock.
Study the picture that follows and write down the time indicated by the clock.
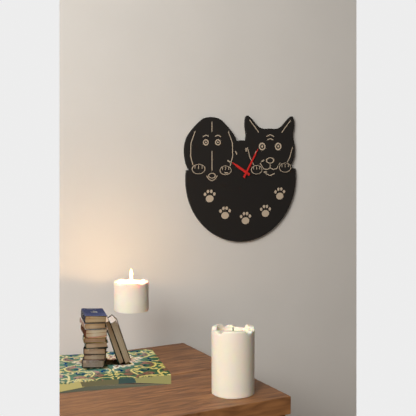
10:05
